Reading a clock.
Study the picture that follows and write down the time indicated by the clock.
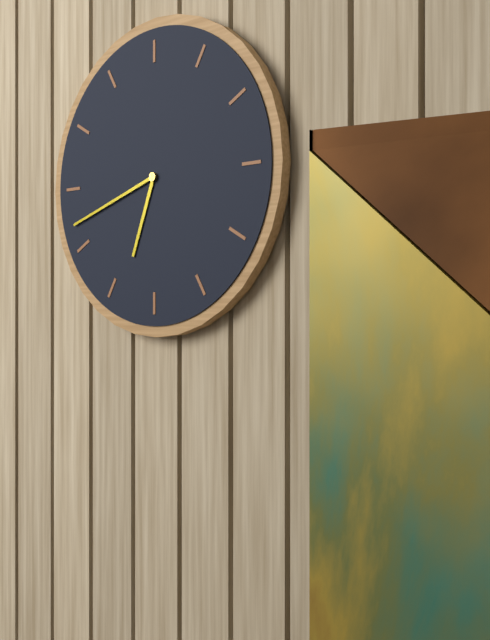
6:42
